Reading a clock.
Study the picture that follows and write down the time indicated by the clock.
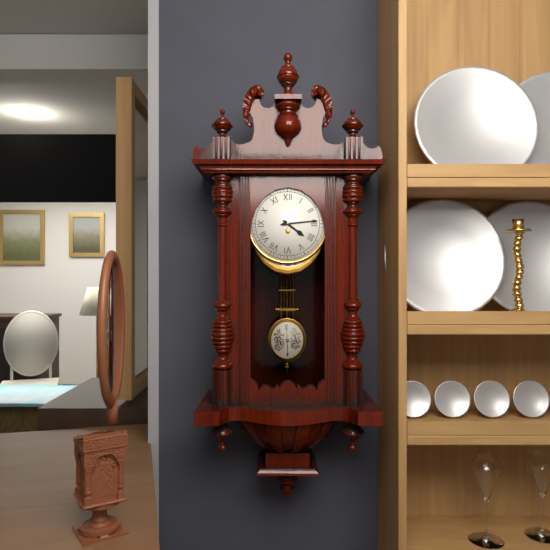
4:14
